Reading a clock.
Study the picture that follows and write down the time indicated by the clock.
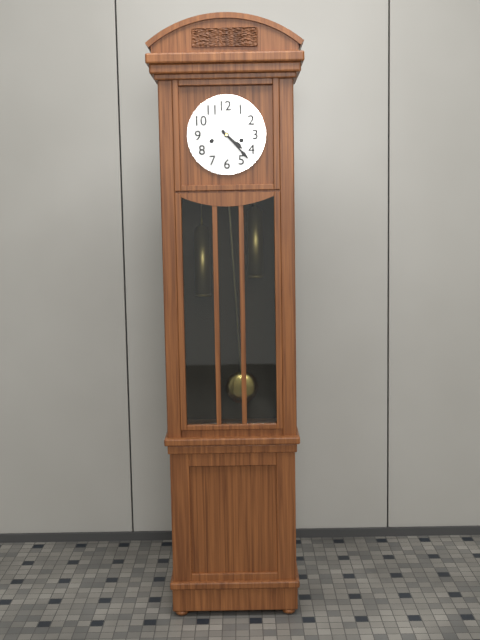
4:23
